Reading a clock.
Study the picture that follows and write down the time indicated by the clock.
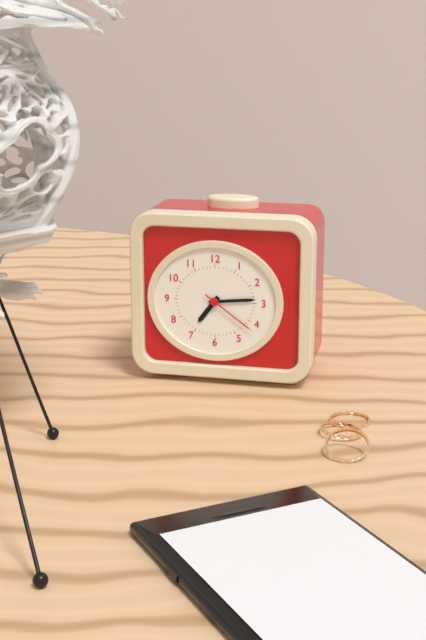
7:14:21
